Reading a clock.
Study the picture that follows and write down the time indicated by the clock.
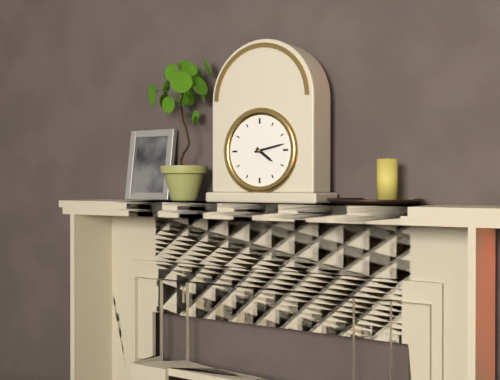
4:13
